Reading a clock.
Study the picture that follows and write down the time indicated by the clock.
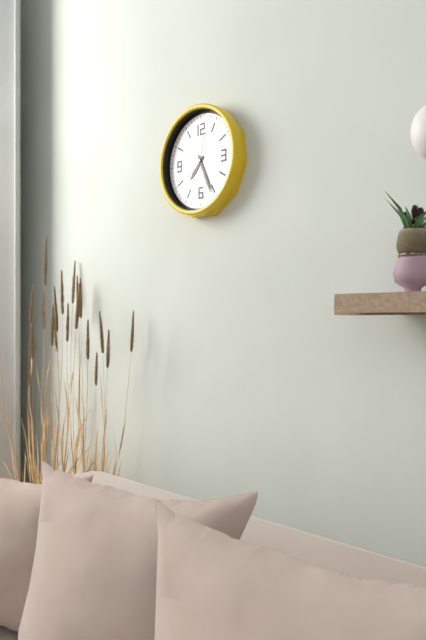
7:26:03
